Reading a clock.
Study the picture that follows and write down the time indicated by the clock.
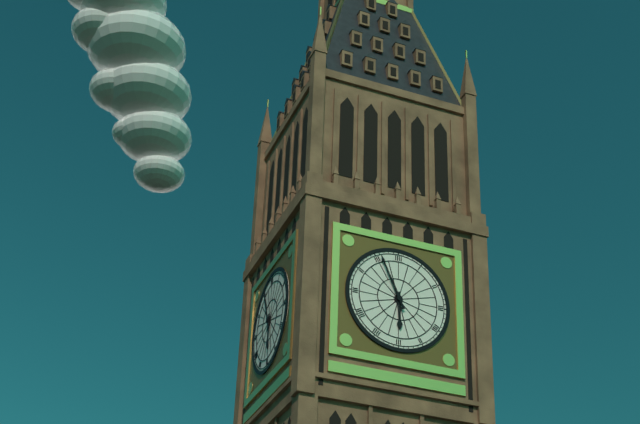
5:56
